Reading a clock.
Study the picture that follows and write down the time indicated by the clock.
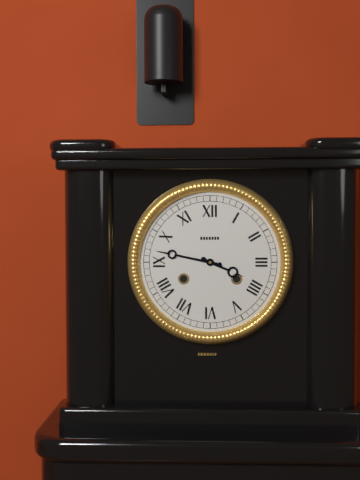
3:47
